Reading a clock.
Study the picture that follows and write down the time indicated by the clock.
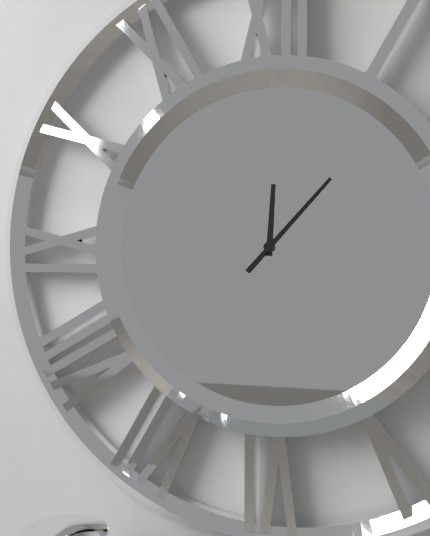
12:07
